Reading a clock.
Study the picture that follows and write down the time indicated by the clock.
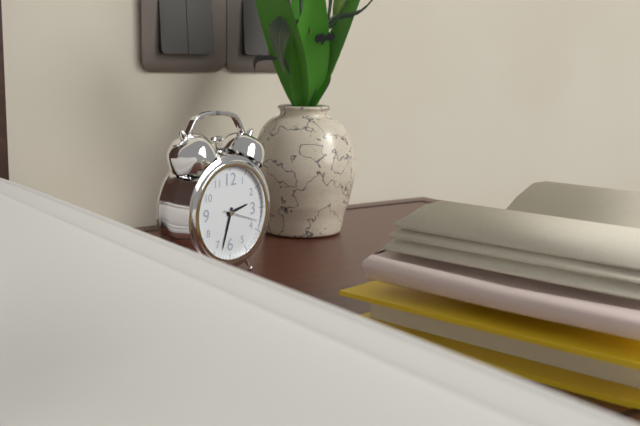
2:33
